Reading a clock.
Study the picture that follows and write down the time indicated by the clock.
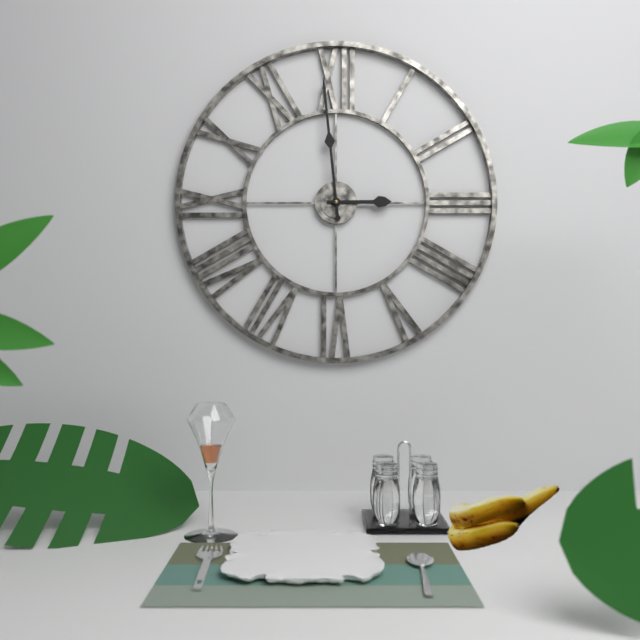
2:59
